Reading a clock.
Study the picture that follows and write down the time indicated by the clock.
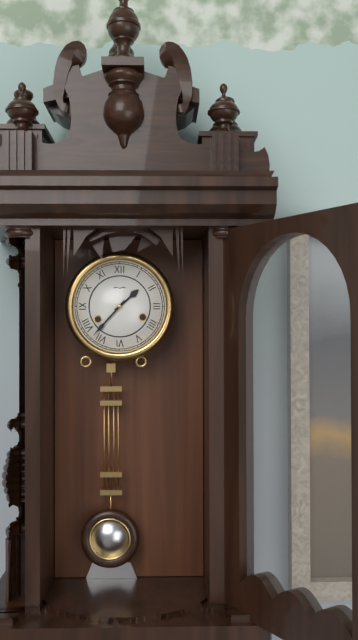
1:37
